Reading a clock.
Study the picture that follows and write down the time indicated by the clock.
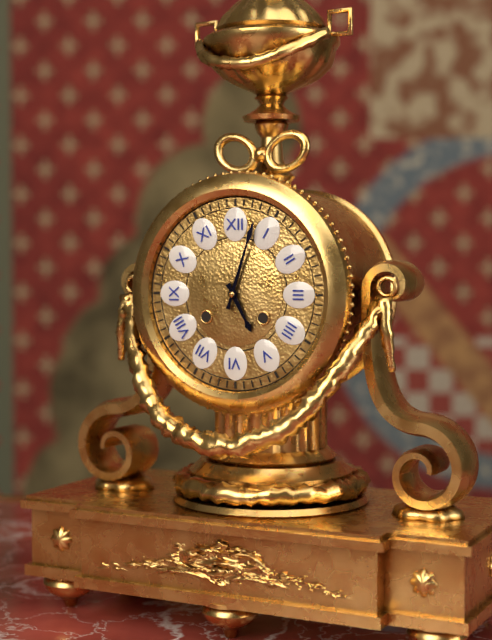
5:03
